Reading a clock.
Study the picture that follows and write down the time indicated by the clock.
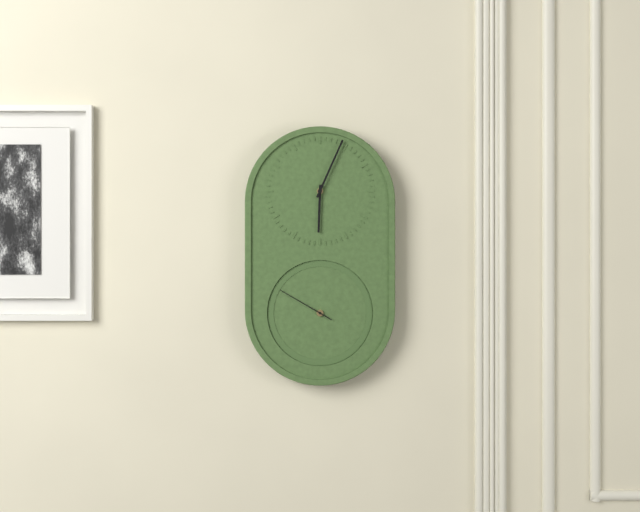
6:04:50
